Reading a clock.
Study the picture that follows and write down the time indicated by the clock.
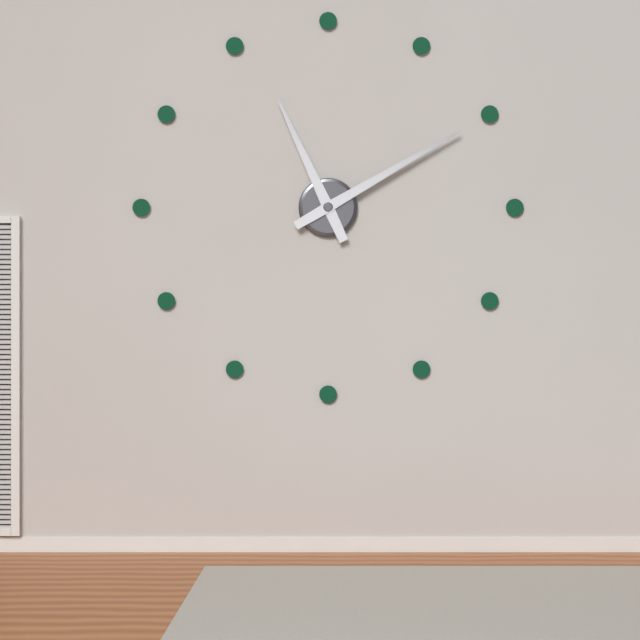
11:10
